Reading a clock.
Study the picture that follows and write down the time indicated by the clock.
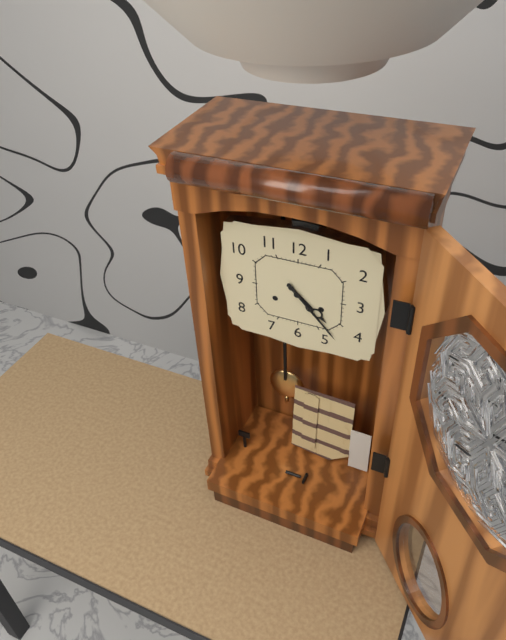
4:23
